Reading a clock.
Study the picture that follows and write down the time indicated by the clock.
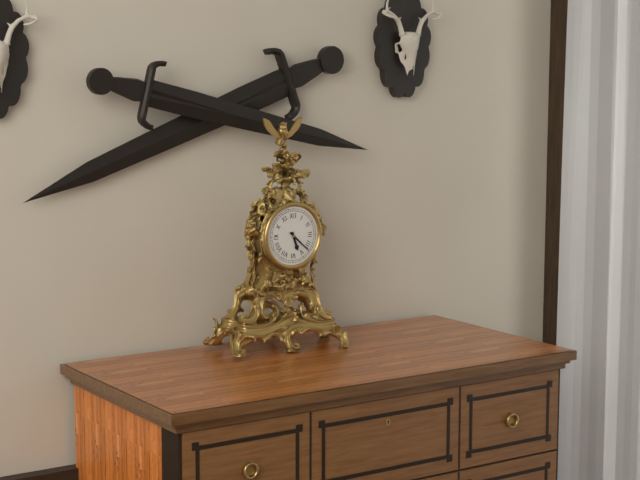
5:22
